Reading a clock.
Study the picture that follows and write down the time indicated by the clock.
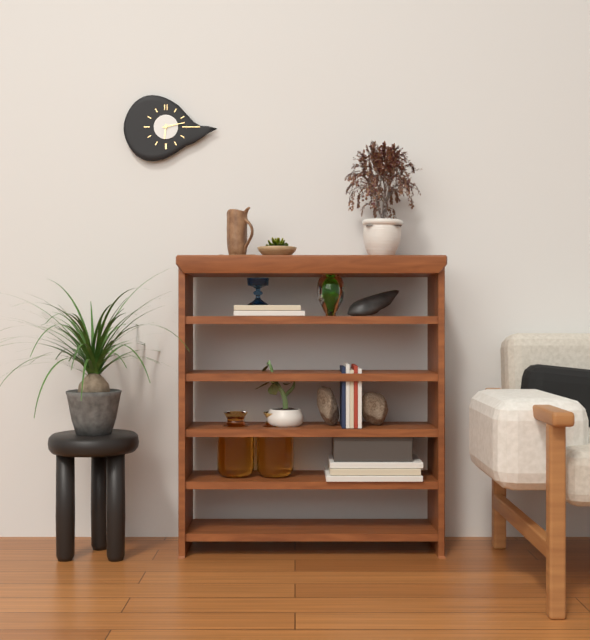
6:13
